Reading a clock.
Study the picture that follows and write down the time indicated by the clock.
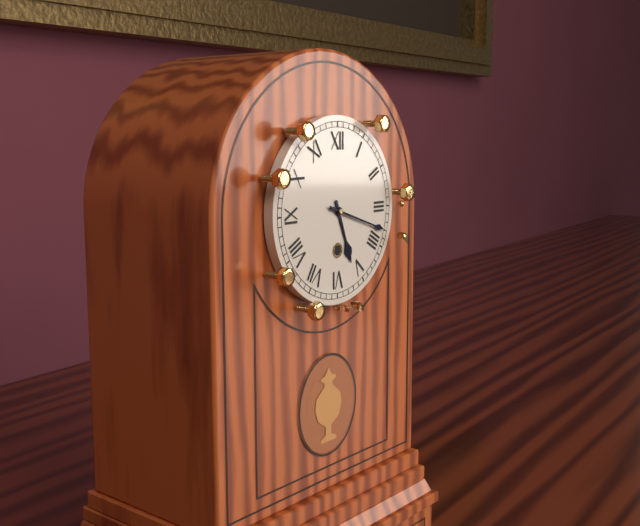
5:18
